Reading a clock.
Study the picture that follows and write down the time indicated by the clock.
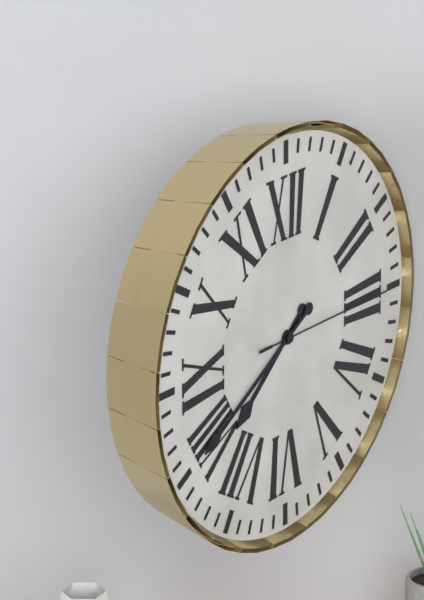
7:40:15
